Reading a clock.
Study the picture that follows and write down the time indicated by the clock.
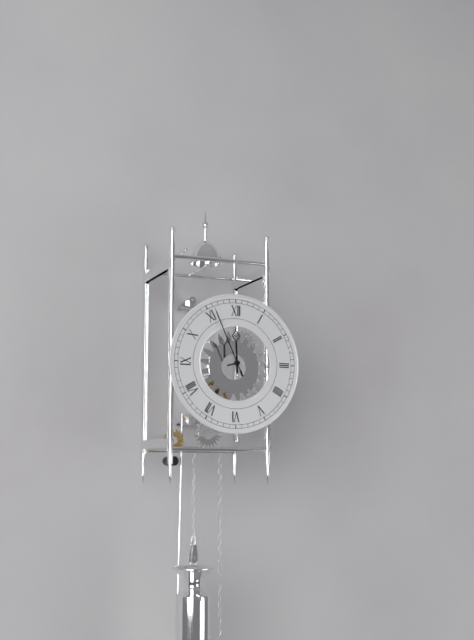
11:56
